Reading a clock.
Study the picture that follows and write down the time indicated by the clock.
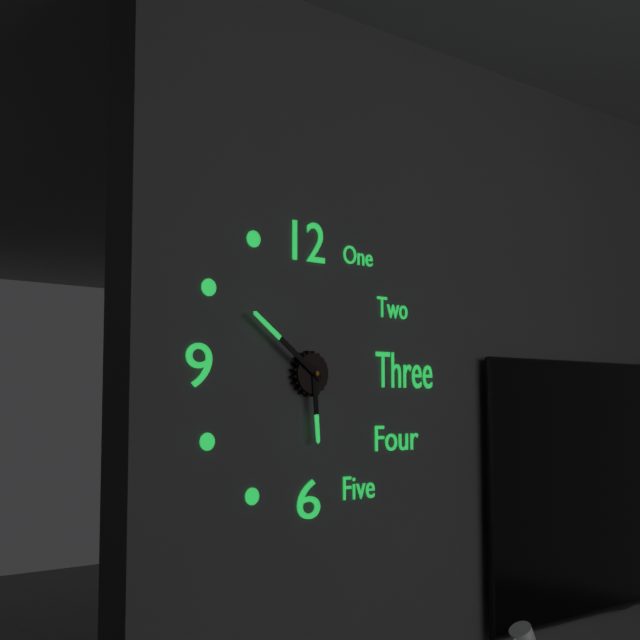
5:51
